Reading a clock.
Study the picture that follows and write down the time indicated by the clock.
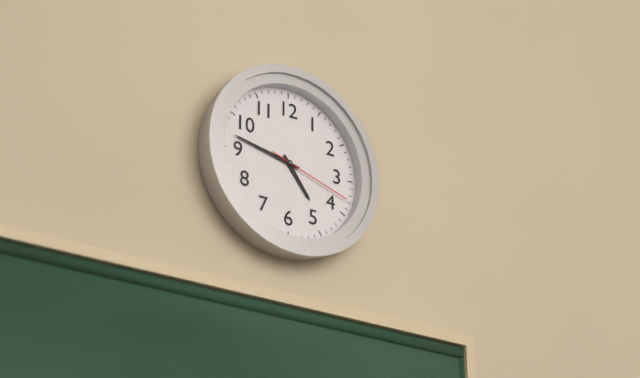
4:47:18
